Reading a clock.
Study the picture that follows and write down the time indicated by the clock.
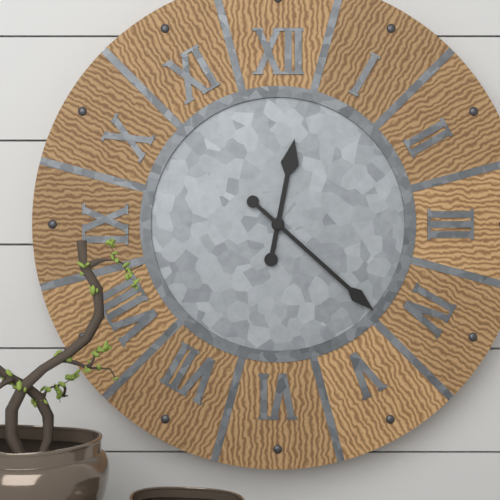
12:22
